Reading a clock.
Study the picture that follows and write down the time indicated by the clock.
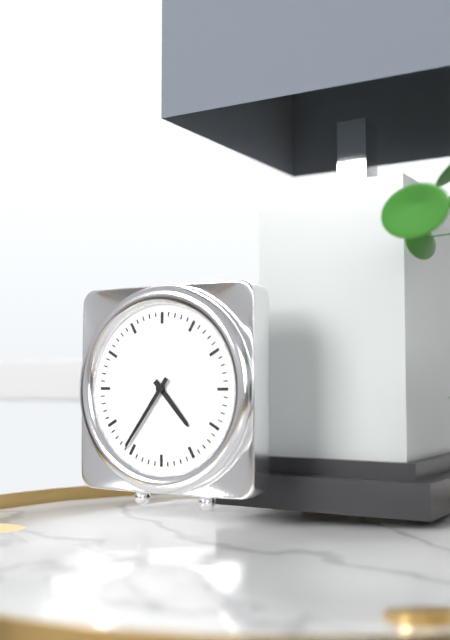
4:36
